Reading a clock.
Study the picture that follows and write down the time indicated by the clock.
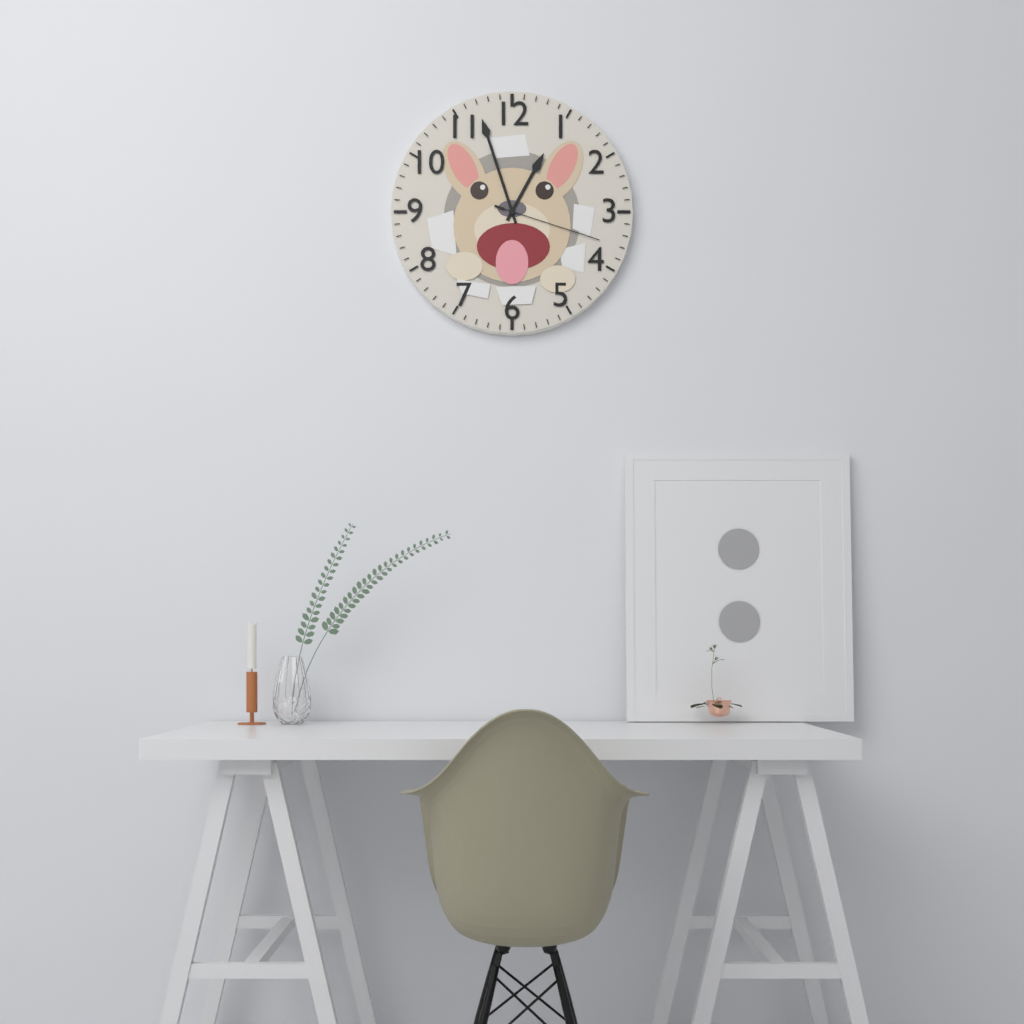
12:57:18
